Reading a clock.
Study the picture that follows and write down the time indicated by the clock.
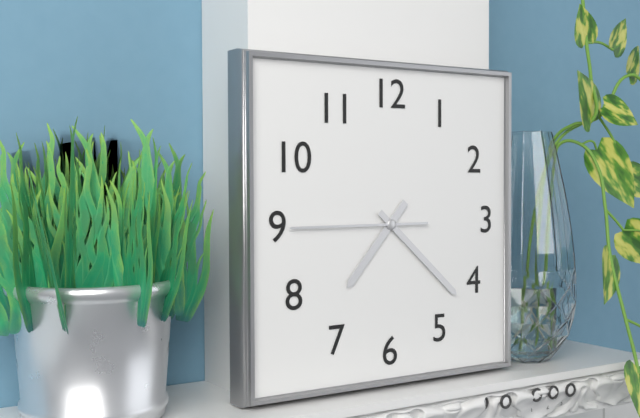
7:22:45
